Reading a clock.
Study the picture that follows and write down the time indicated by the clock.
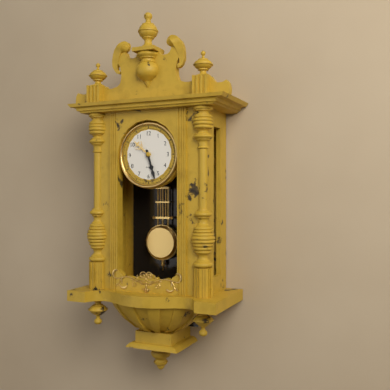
5:27
